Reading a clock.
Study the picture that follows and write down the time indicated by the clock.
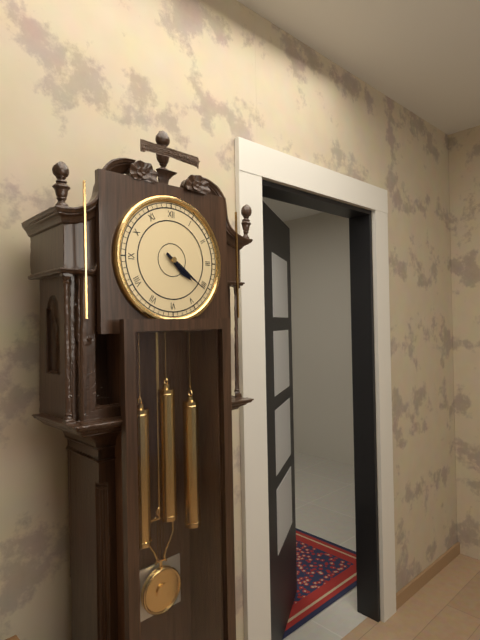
4:21
